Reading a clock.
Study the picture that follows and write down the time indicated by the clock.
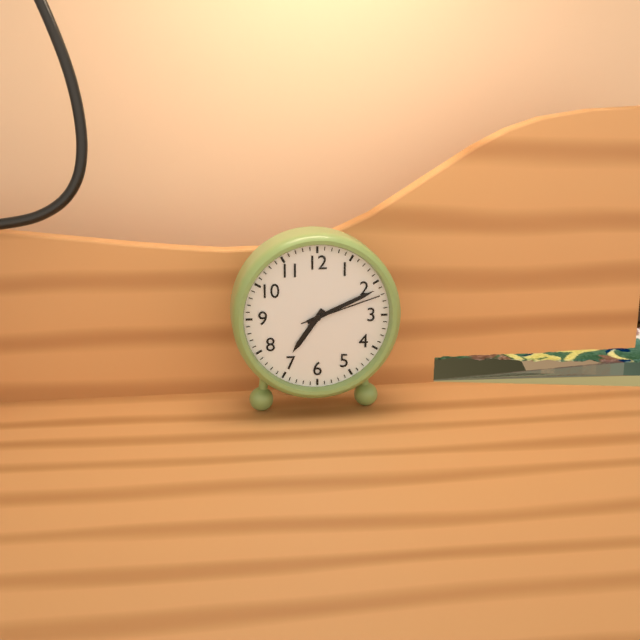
7:11:12
